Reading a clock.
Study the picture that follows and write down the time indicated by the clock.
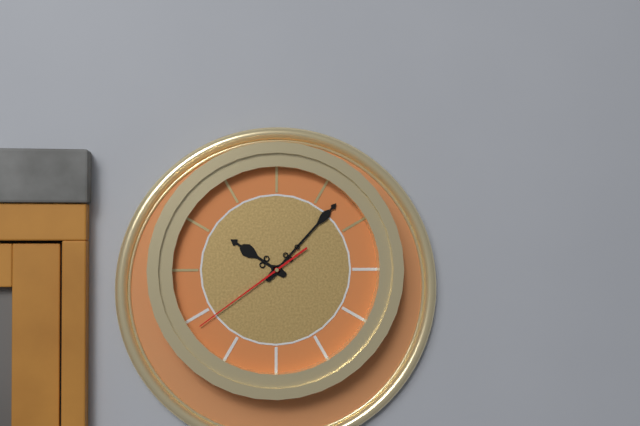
10:07:39
